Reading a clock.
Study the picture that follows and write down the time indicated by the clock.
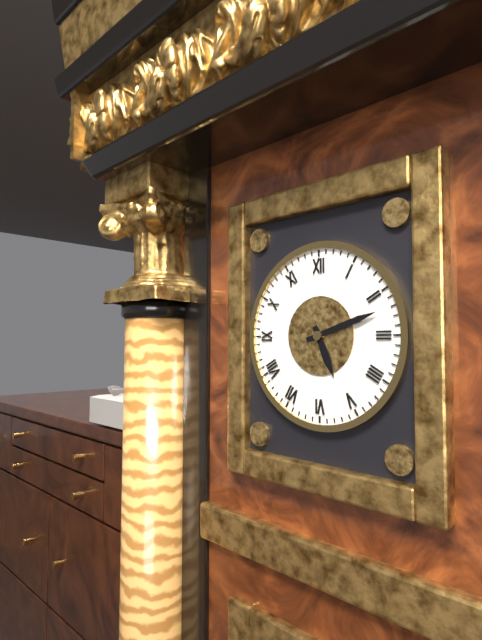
5:12
